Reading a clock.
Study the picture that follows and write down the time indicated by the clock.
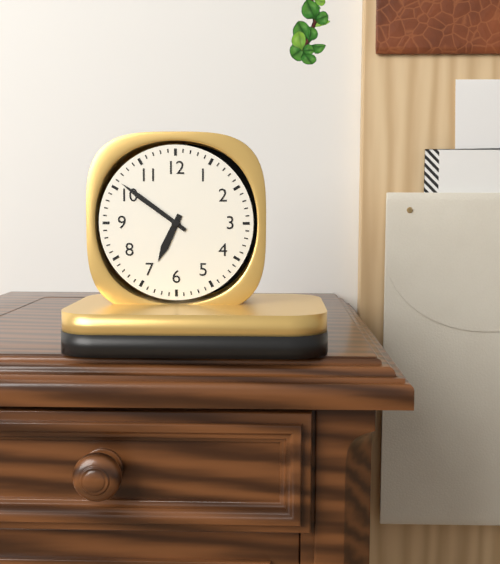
6:51
